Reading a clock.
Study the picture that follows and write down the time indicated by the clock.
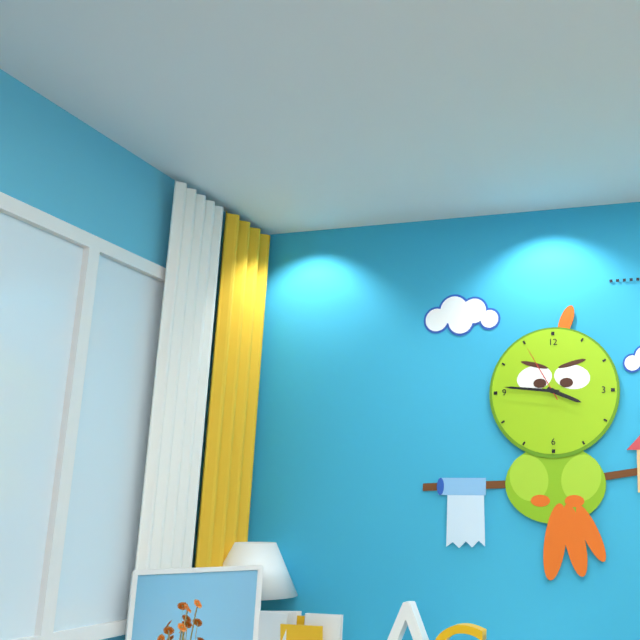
3:46:55
